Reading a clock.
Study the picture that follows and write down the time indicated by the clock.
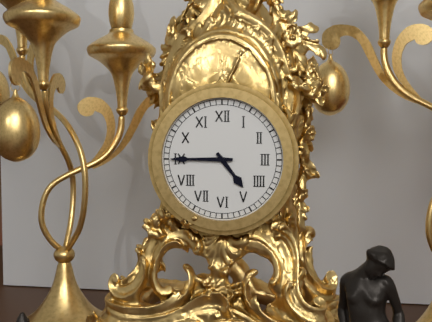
4:45
